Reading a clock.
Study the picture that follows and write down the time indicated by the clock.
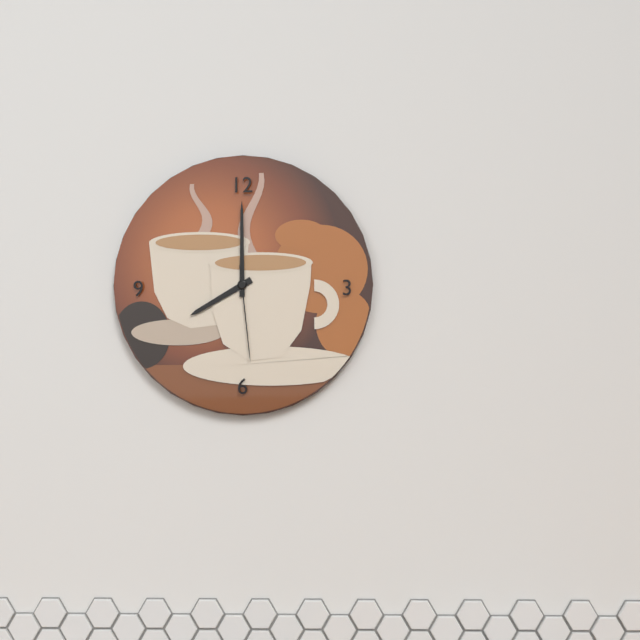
8:00:29
